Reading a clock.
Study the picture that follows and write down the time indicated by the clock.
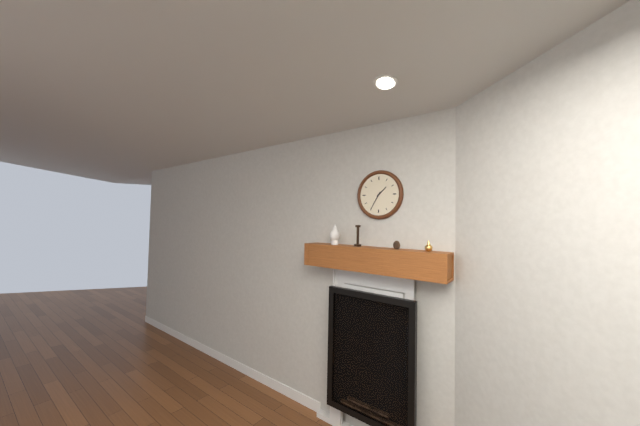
1:35
